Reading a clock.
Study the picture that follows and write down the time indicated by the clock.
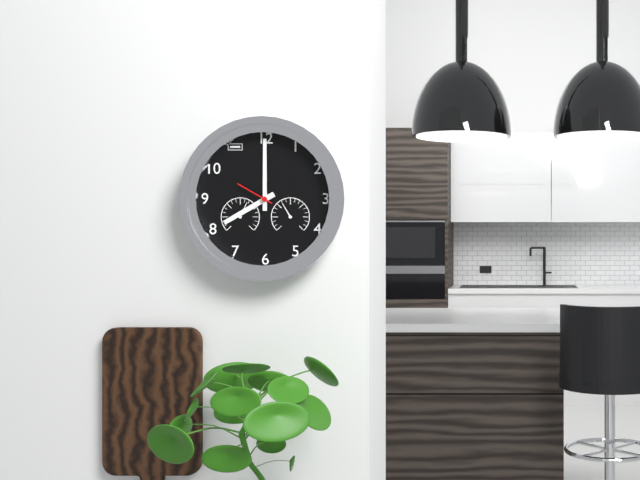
8:00
